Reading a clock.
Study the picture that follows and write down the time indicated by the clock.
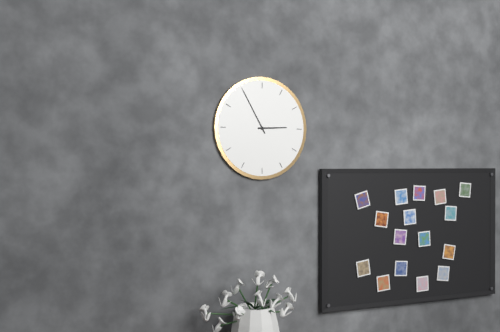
2:55
